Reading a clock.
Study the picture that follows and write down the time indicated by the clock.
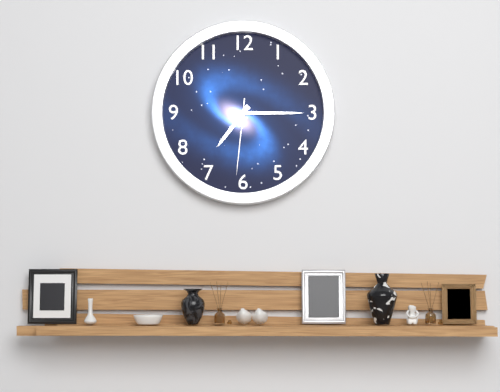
7:15:31
